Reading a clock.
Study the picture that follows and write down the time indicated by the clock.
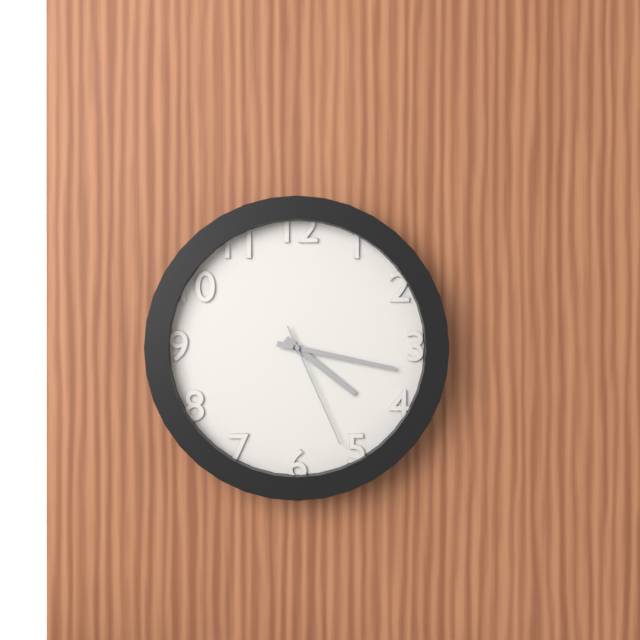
4:17:26
